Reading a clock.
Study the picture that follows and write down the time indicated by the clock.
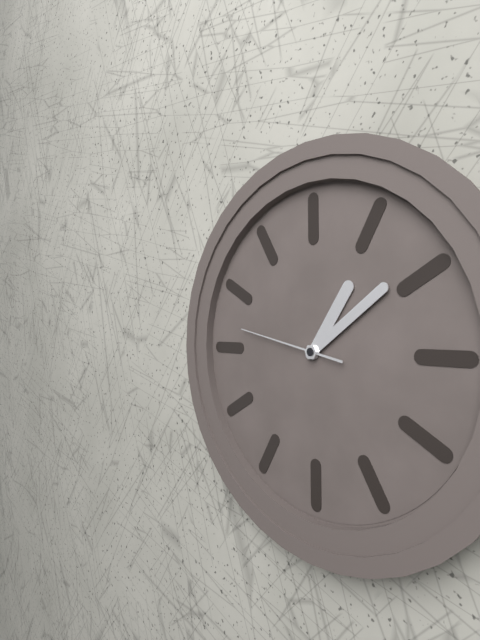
1:09:47
